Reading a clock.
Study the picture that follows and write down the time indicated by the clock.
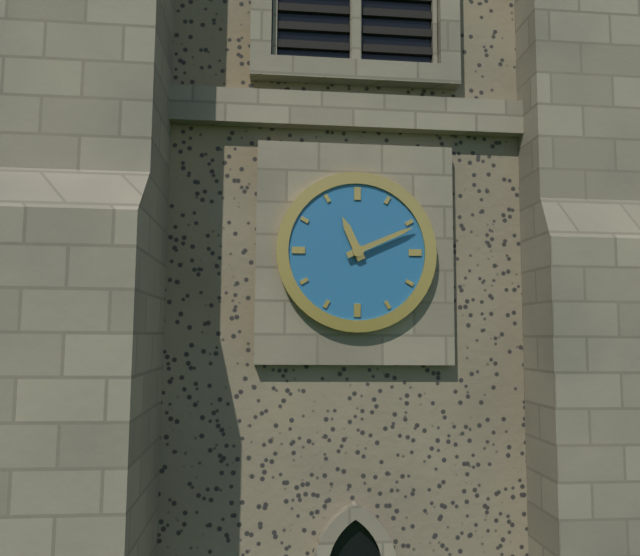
11:11
